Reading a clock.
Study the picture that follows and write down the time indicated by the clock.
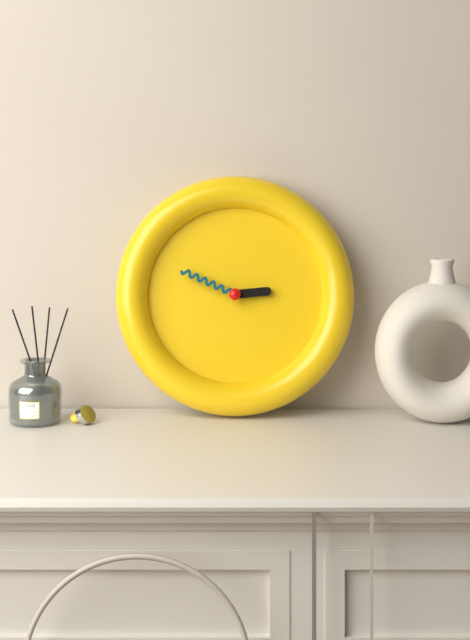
2:49
